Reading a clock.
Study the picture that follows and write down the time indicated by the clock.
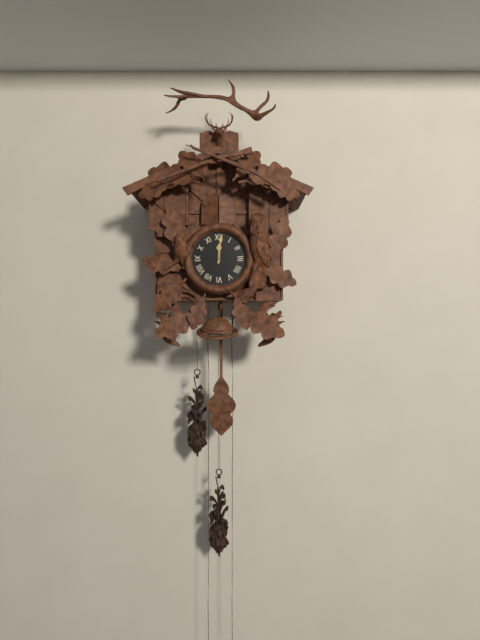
12:01
